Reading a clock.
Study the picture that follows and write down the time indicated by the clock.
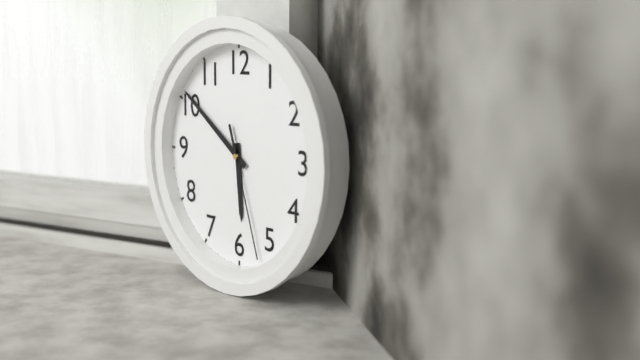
5:51:27
